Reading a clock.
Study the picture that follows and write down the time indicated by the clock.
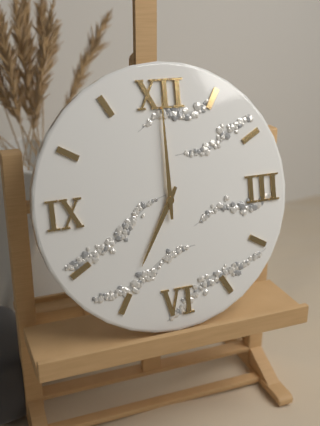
7:00
